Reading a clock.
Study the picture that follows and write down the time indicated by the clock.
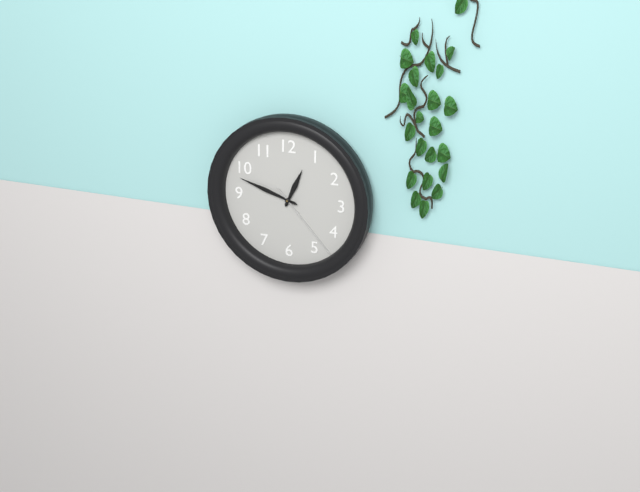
12:48:23
